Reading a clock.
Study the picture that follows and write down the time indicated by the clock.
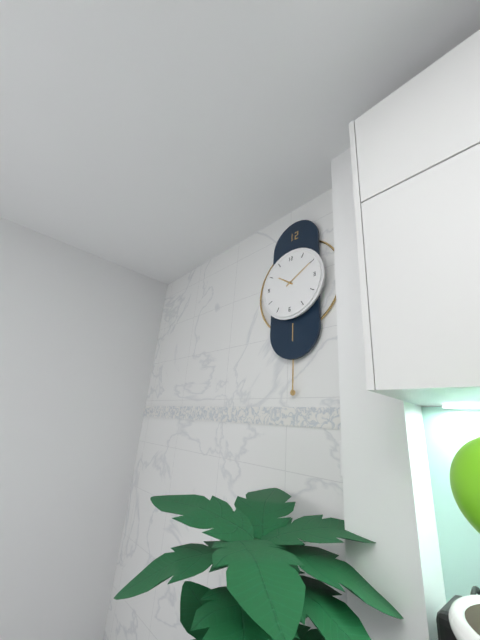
10:10
